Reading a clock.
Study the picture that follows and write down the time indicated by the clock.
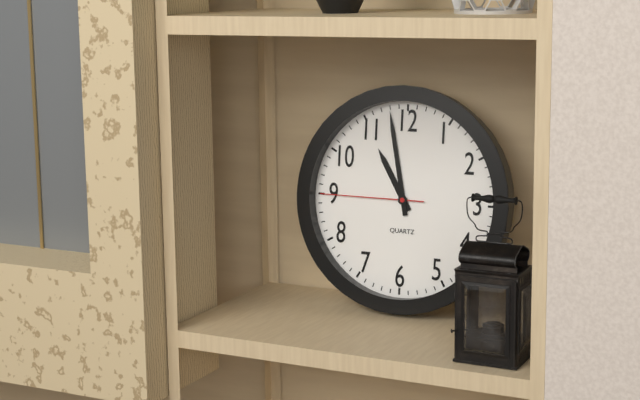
10:58:45
